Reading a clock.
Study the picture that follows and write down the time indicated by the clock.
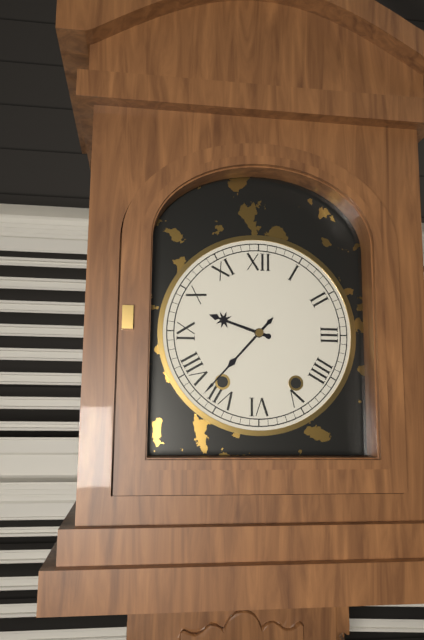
9:37
